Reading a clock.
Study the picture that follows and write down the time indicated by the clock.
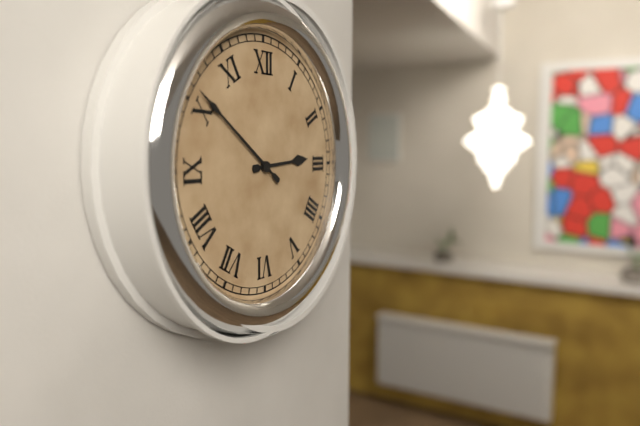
2:51
